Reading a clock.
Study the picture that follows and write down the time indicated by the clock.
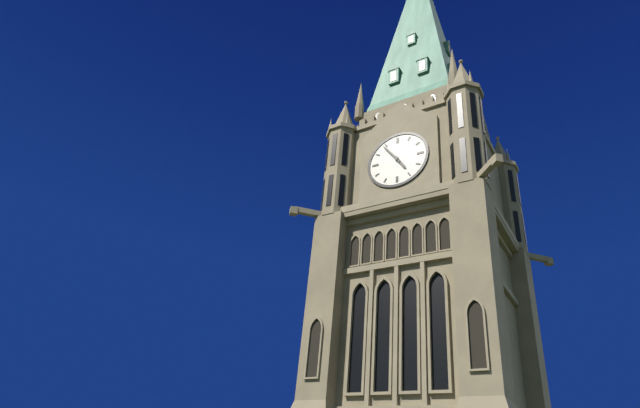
4:54
